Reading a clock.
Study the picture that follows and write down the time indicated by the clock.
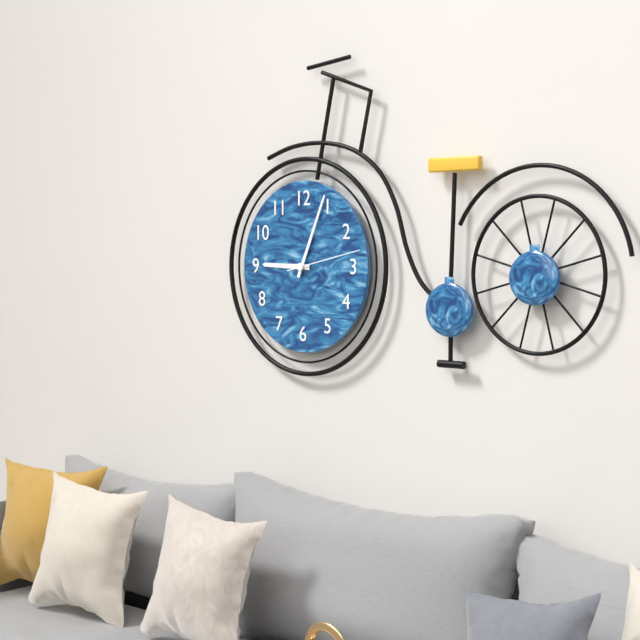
9:04:13
